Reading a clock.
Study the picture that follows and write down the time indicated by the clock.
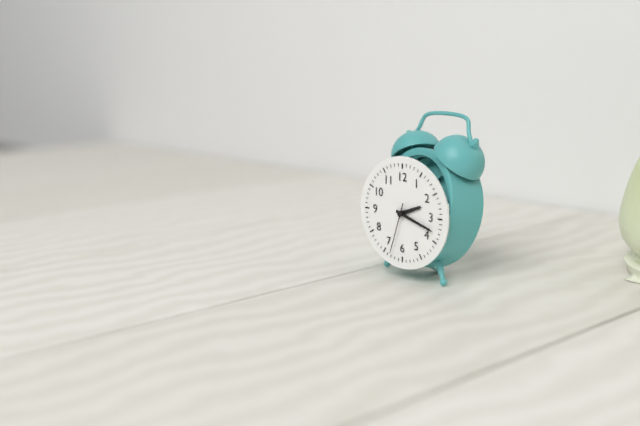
2:18:33
